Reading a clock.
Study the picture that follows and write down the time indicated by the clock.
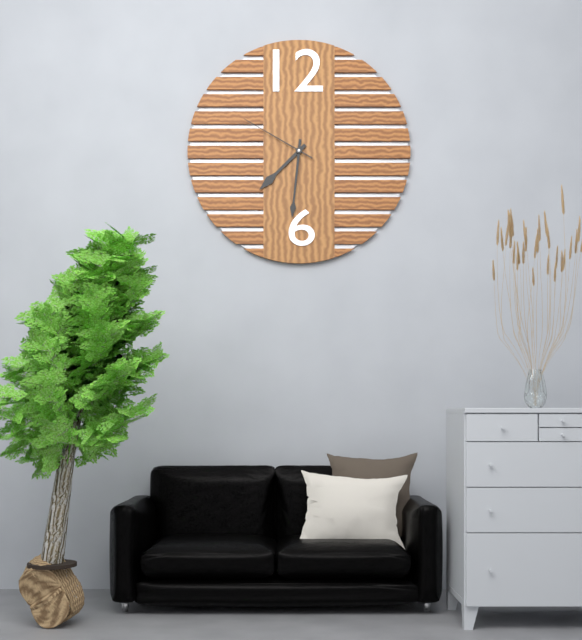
7:31:50
